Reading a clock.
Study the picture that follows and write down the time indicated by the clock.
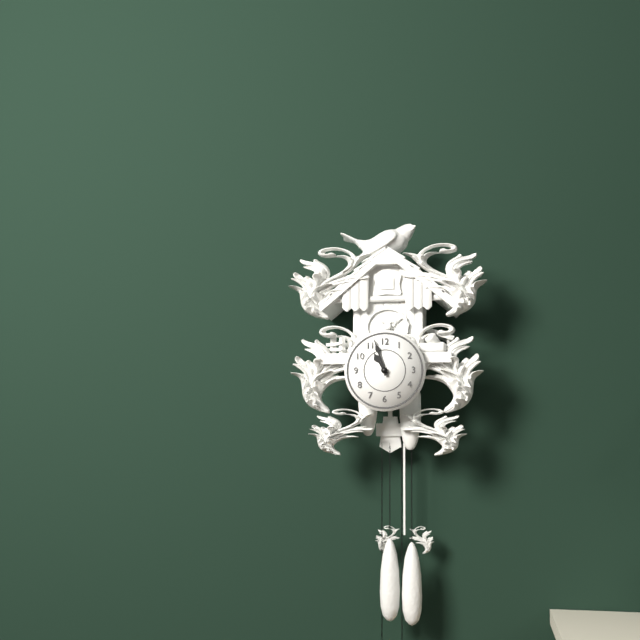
10:57
